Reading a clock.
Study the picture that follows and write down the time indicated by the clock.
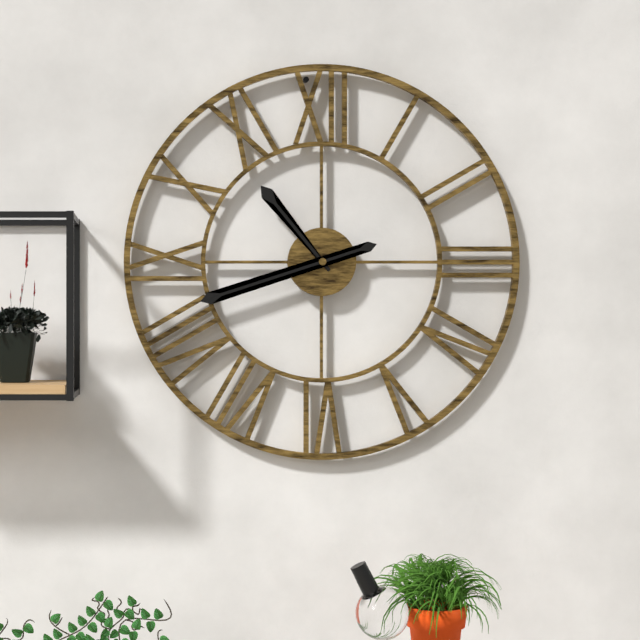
10:42
